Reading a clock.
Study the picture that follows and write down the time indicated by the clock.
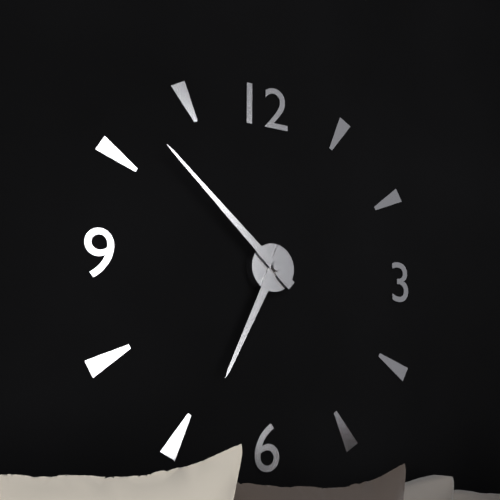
6:52
